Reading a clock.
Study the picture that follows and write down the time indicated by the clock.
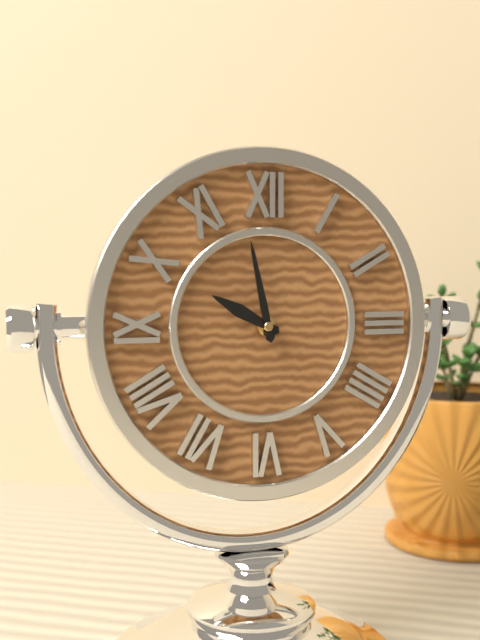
9:58
